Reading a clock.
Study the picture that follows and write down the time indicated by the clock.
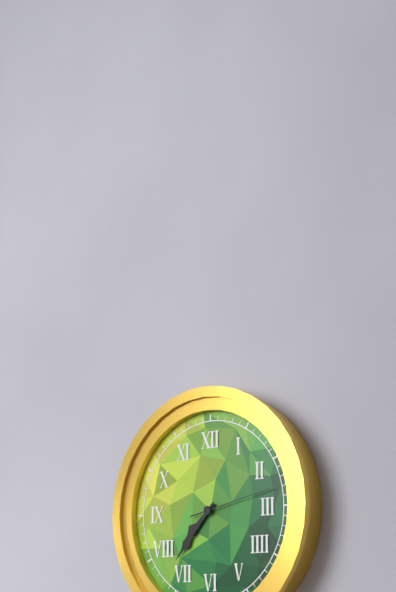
7:37:13
